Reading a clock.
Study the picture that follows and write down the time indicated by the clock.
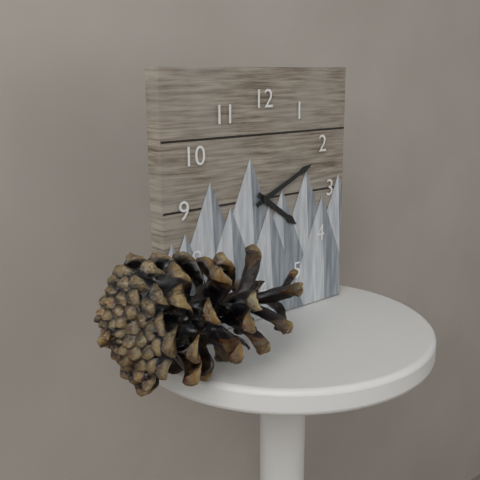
4:11
